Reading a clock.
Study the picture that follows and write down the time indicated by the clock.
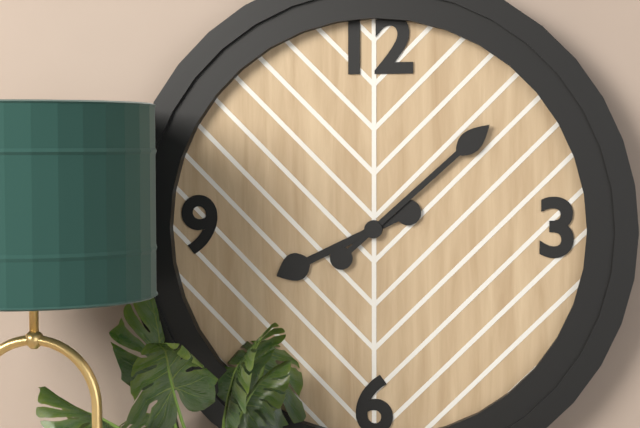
8:08
